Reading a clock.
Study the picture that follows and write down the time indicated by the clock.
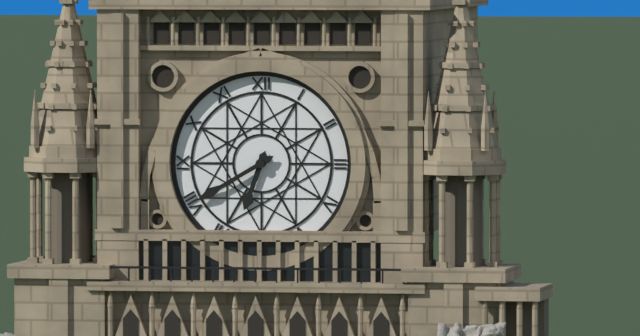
6:40
